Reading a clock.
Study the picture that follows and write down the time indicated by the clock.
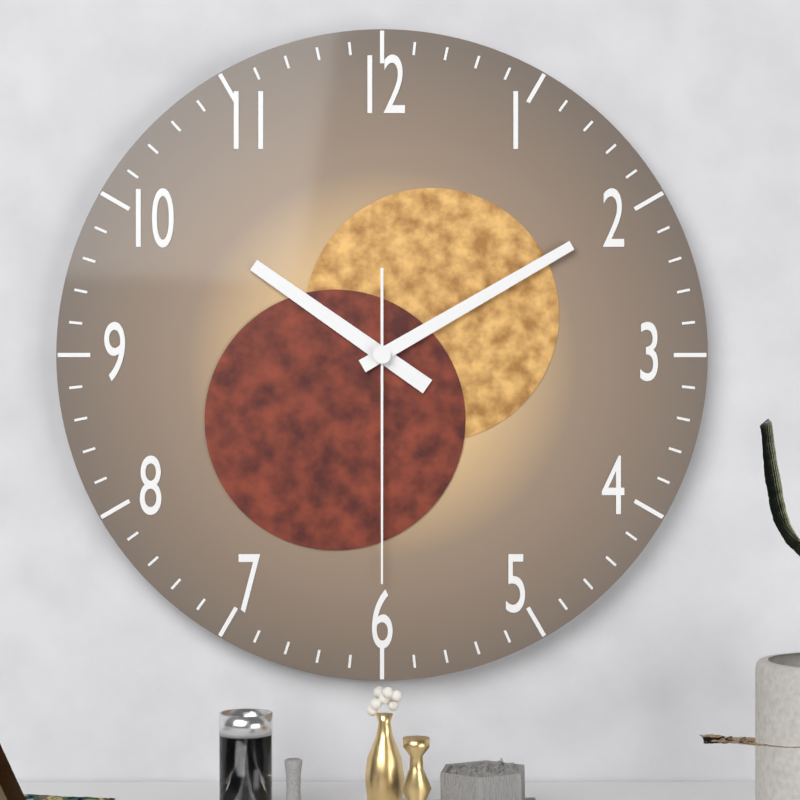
10:10:30
